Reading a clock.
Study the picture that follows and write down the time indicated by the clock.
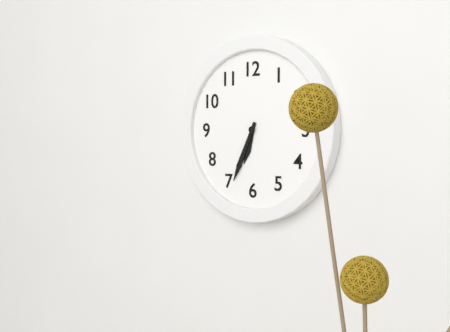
6:34
